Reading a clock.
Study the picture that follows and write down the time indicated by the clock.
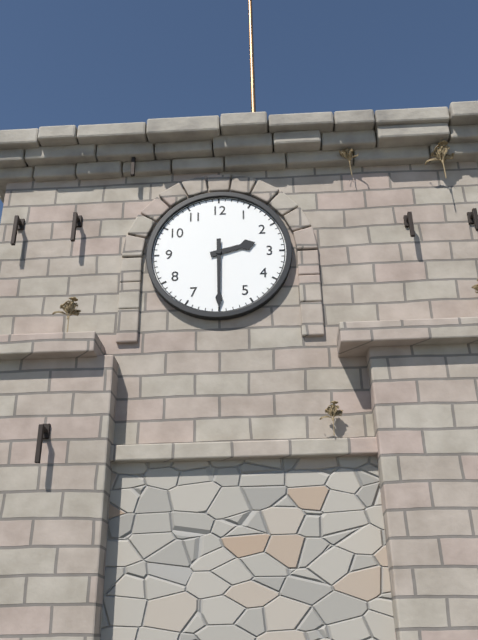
2:30
